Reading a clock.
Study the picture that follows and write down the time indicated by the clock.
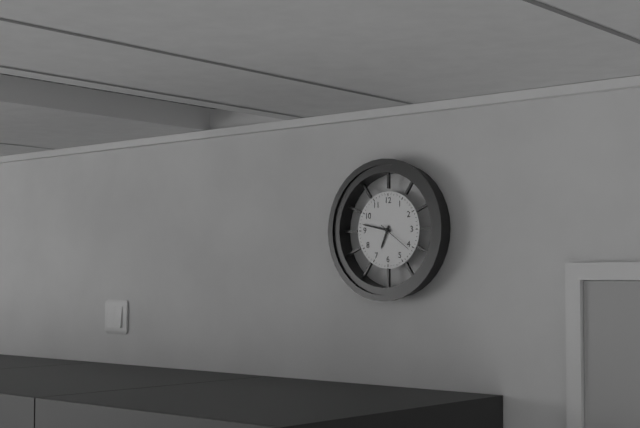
6:47
